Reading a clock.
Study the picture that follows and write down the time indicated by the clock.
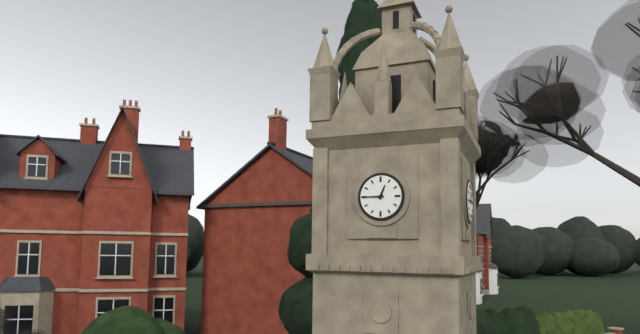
12:45
